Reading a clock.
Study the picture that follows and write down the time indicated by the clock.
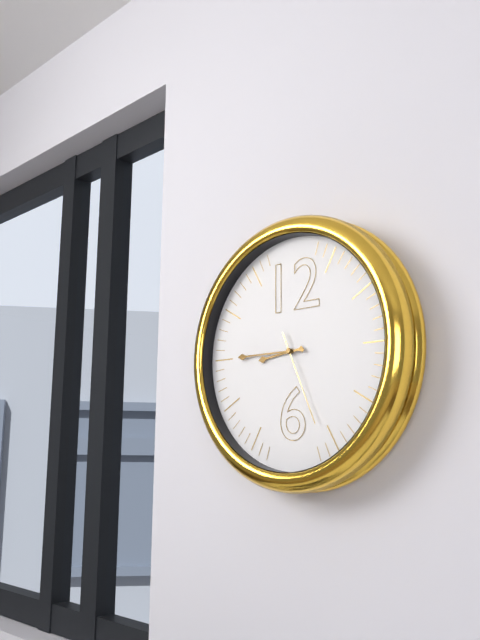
8:45:26
